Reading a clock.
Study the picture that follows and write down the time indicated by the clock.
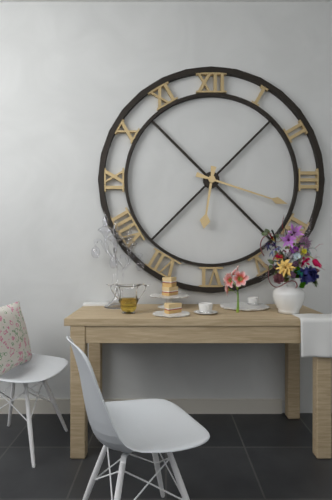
6:18
